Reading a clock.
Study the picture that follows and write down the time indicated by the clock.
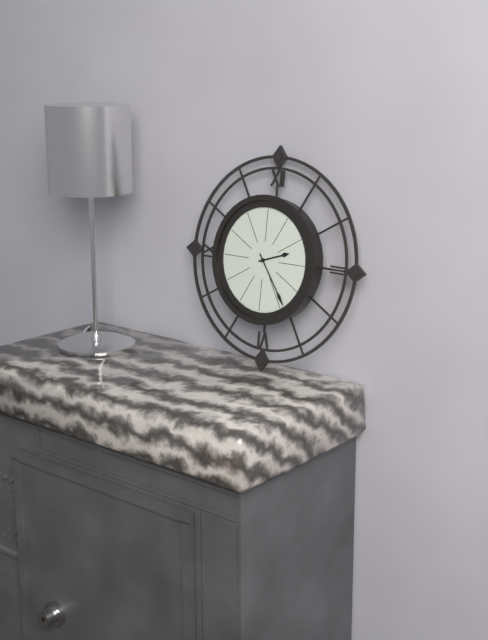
2:24
